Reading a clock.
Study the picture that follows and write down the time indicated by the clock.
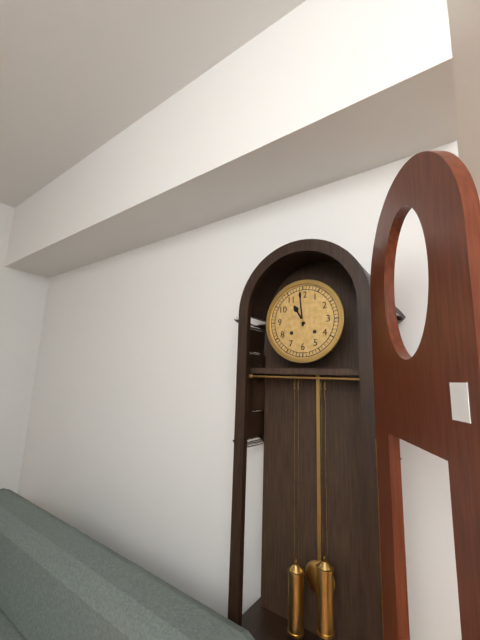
10:59
